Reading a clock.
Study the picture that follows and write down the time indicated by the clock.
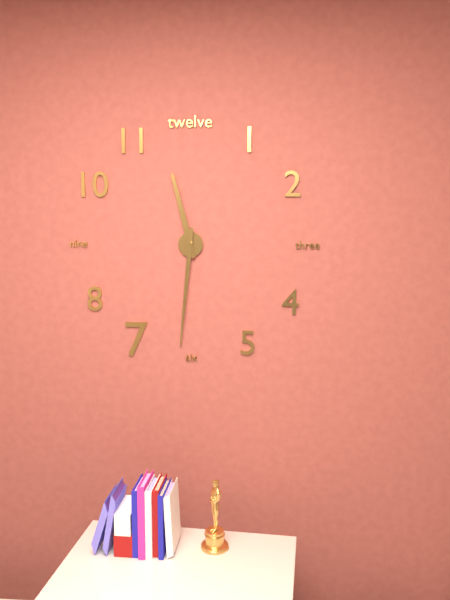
11:31
